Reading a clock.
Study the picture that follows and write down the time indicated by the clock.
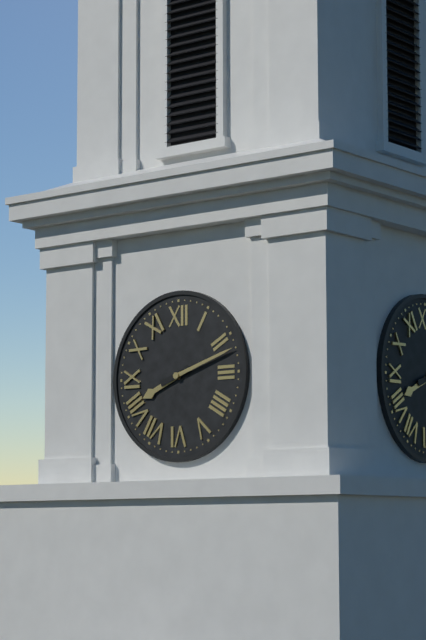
8:12
